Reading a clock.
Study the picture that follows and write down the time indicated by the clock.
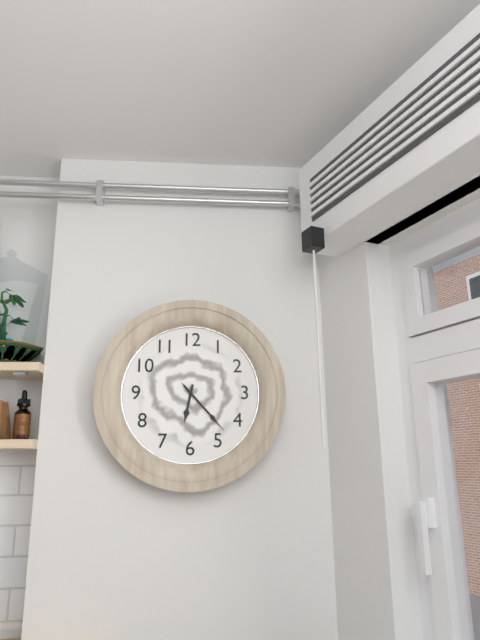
6:23:23
